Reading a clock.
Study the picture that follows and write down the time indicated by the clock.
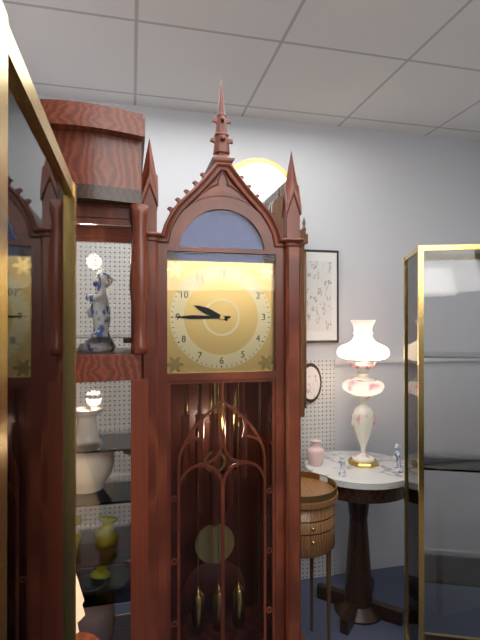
9:45
